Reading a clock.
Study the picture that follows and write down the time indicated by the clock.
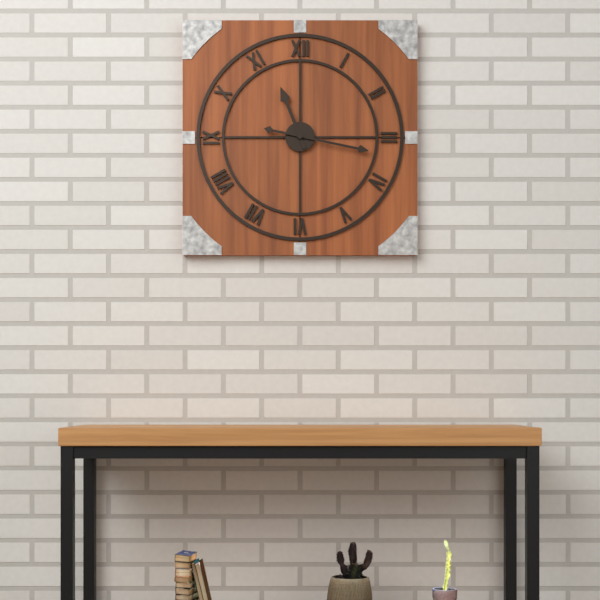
11:17
